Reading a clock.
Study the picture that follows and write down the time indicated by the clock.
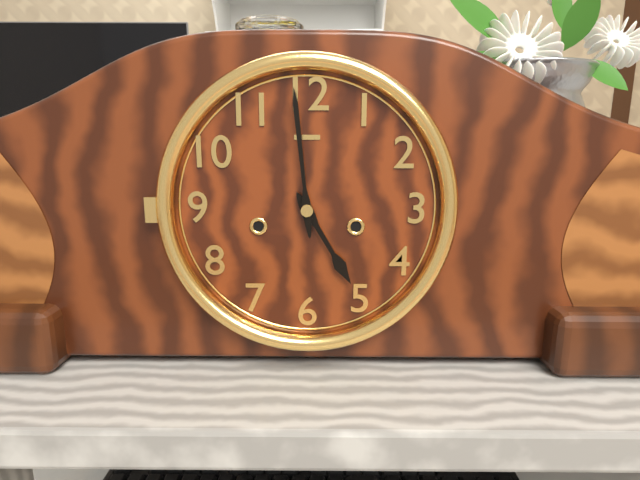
4:59
